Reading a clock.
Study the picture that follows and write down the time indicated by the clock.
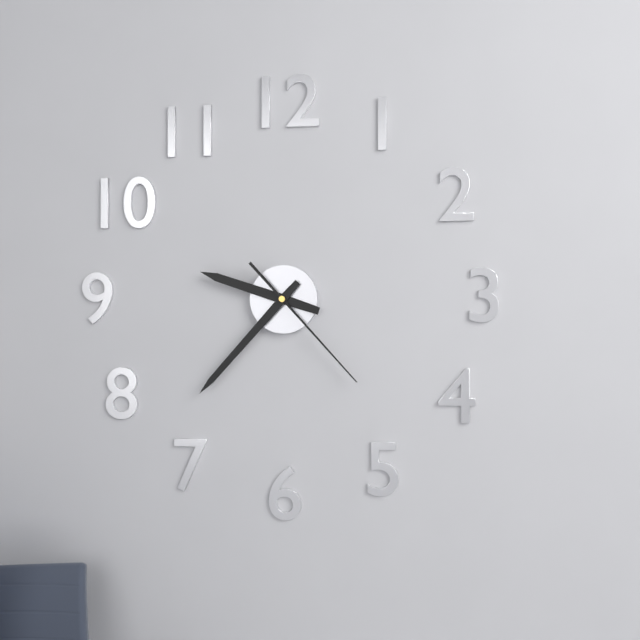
9:37:23
